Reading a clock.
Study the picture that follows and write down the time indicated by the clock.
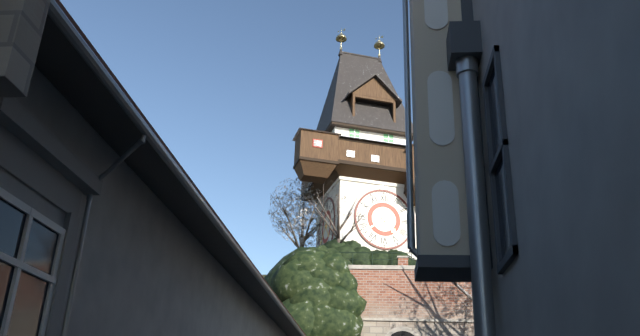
4:39
